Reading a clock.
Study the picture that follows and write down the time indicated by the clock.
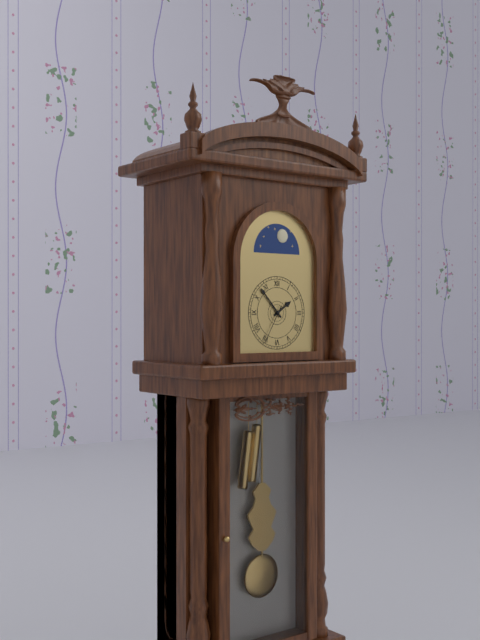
1:53
